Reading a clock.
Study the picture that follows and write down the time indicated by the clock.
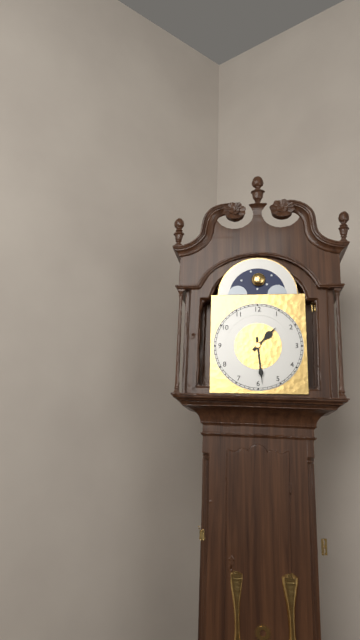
1:29
